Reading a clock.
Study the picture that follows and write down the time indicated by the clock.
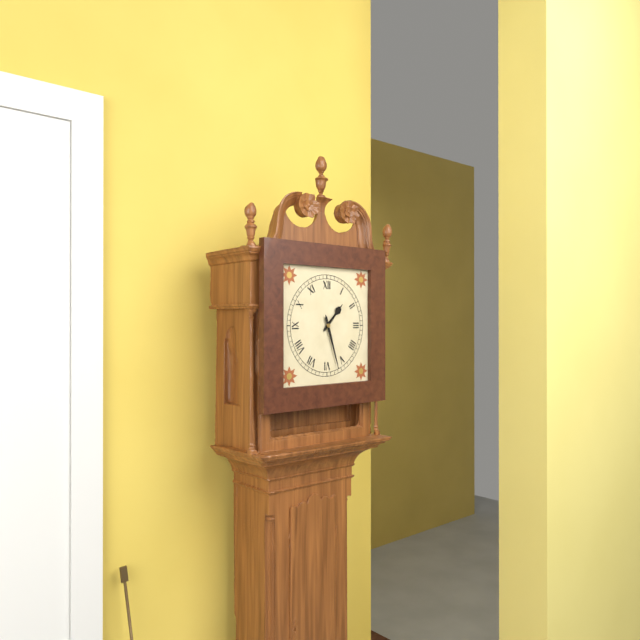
1:27
